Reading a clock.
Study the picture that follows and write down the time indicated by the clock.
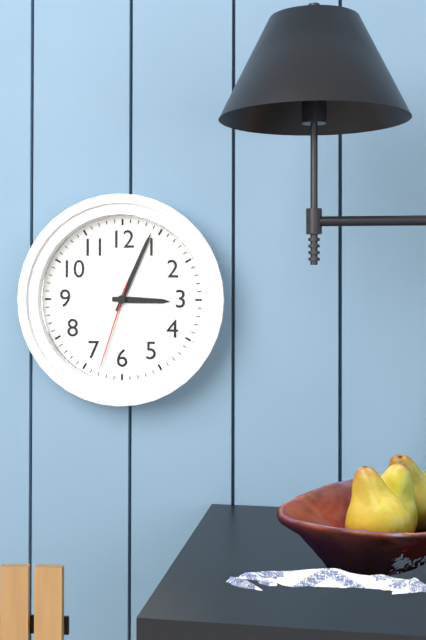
3:04:33
